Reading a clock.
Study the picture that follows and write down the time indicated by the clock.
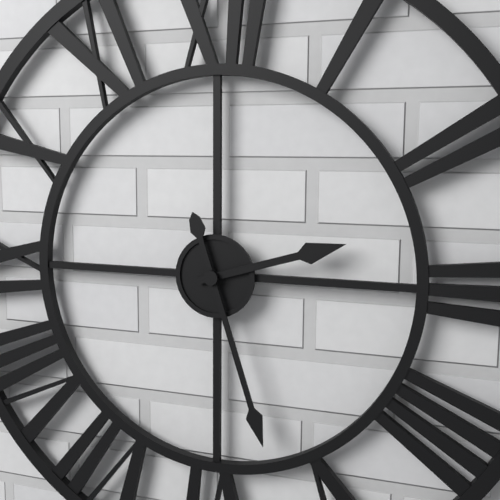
2:27
